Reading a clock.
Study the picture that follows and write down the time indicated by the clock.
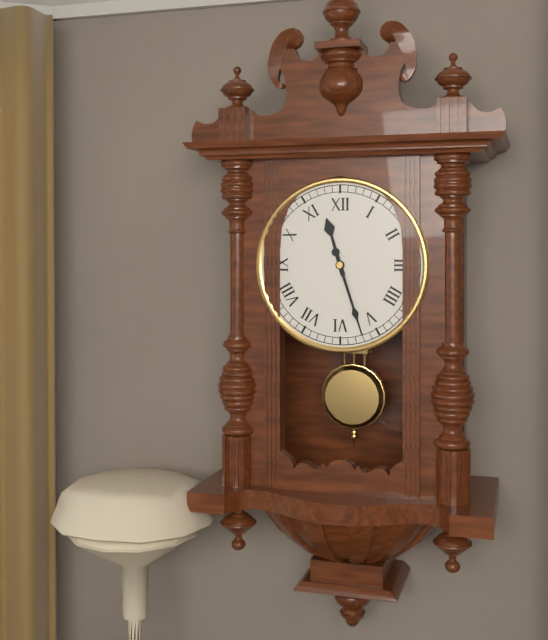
11:27
